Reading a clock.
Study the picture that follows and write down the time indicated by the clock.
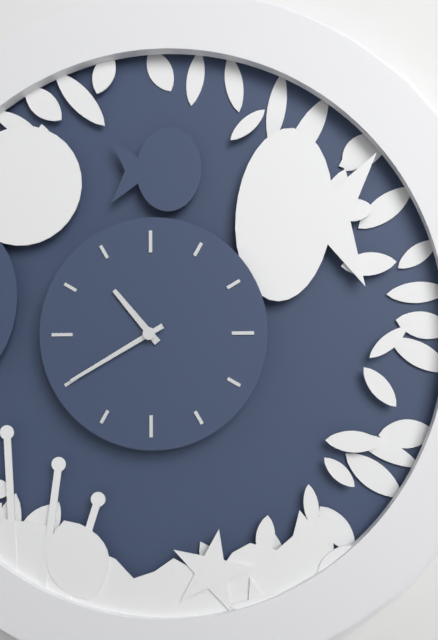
10:40
